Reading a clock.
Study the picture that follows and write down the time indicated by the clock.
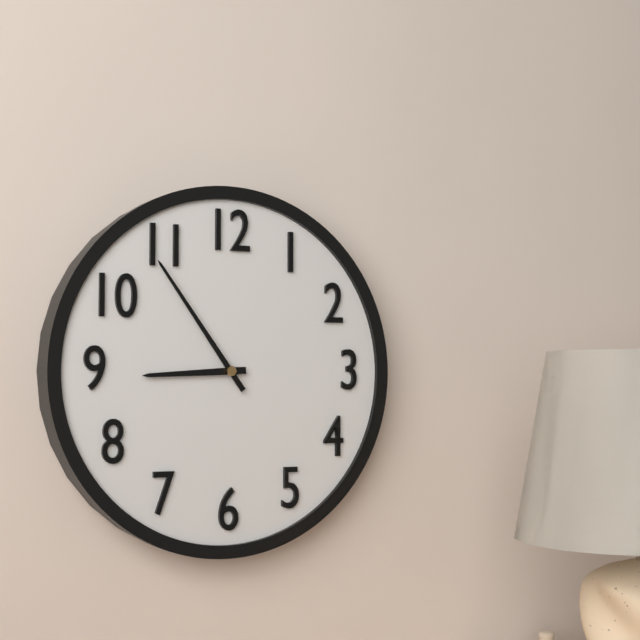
8:54
